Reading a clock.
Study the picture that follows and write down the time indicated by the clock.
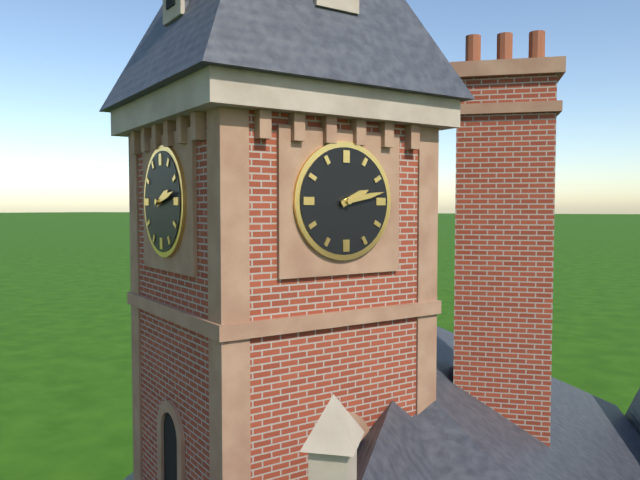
2:13
